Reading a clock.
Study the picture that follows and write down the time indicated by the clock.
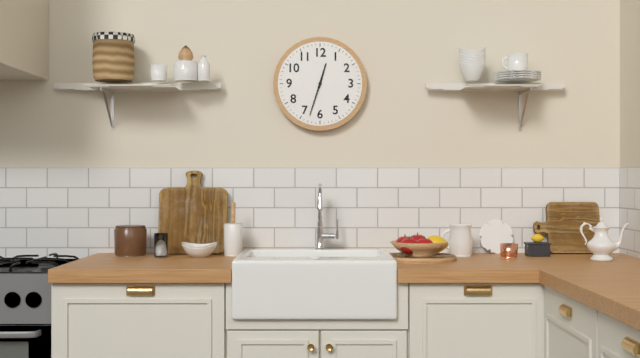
12:33
